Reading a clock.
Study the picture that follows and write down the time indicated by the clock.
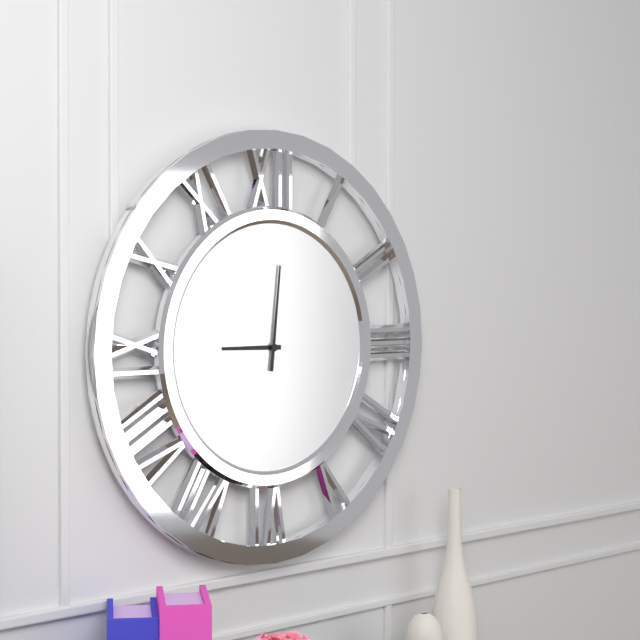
9:01
